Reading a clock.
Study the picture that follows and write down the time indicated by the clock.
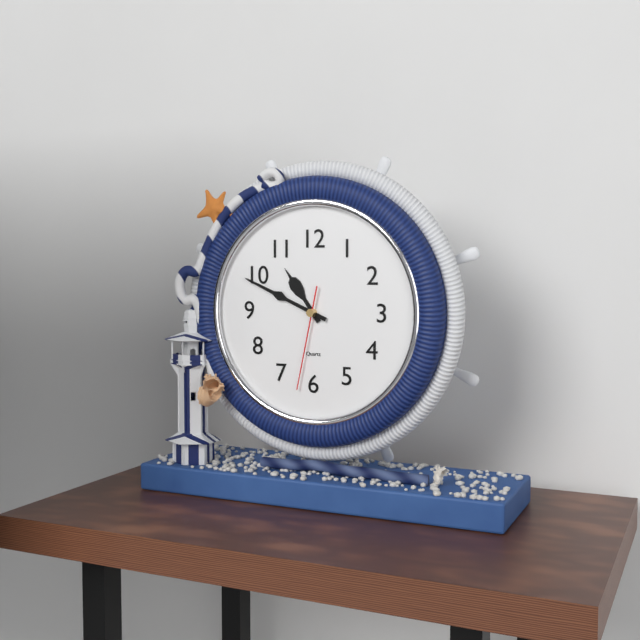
10:49:32
